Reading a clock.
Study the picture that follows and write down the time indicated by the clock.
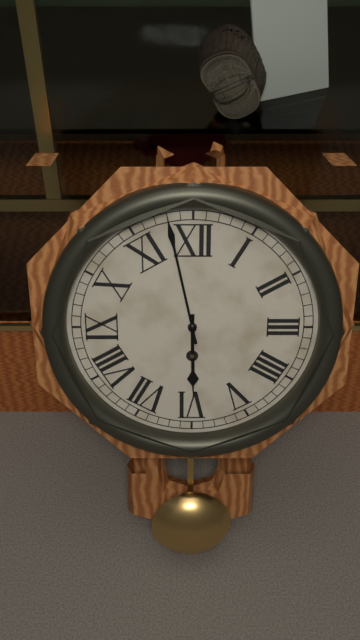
5:58
